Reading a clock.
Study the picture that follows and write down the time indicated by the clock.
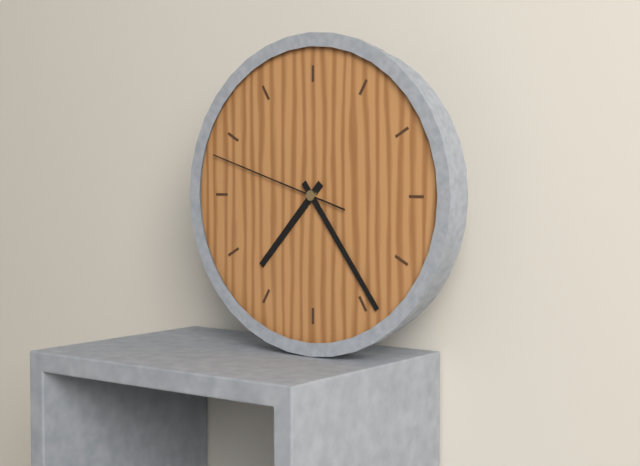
7:24:48
